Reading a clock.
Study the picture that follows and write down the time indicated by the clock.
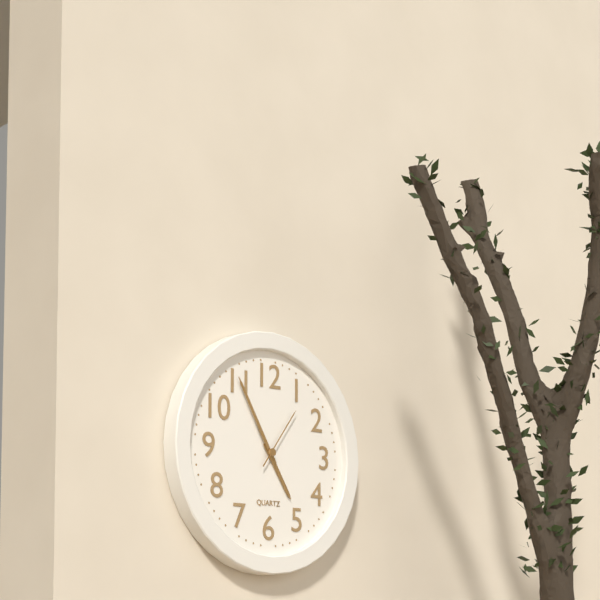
4:55:06
